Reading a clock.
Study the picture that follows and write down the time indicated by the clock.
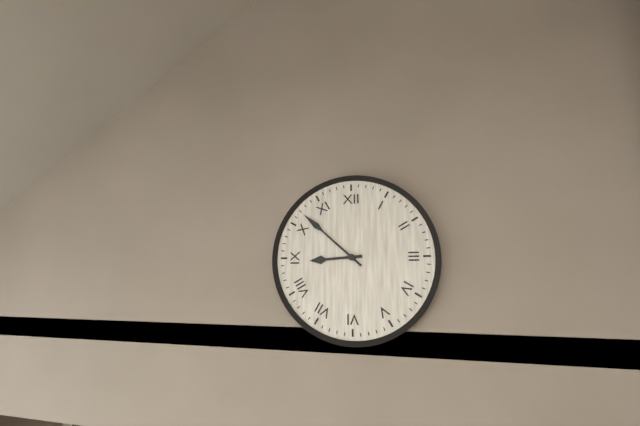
8:52
